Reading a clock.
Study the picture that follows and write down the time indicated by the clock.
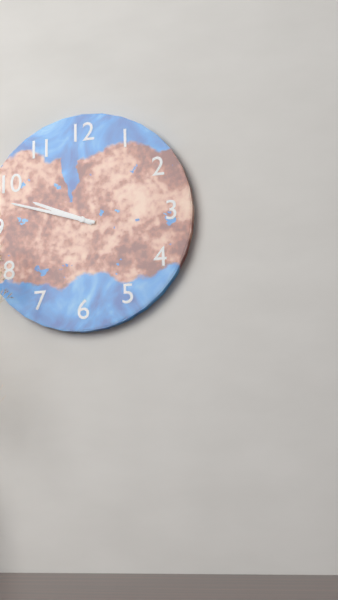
9:48
